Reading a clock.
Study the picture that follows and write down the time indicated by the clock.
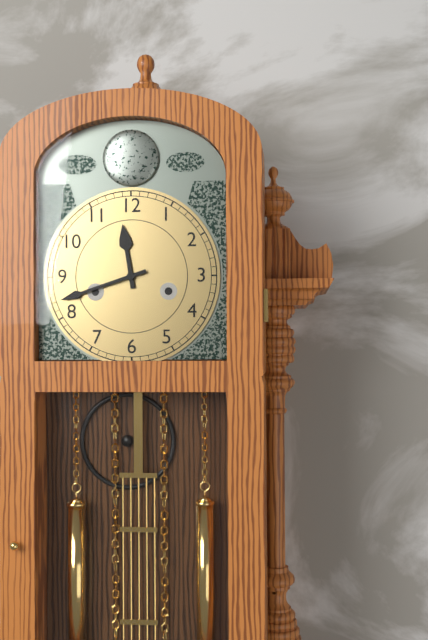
11:42
